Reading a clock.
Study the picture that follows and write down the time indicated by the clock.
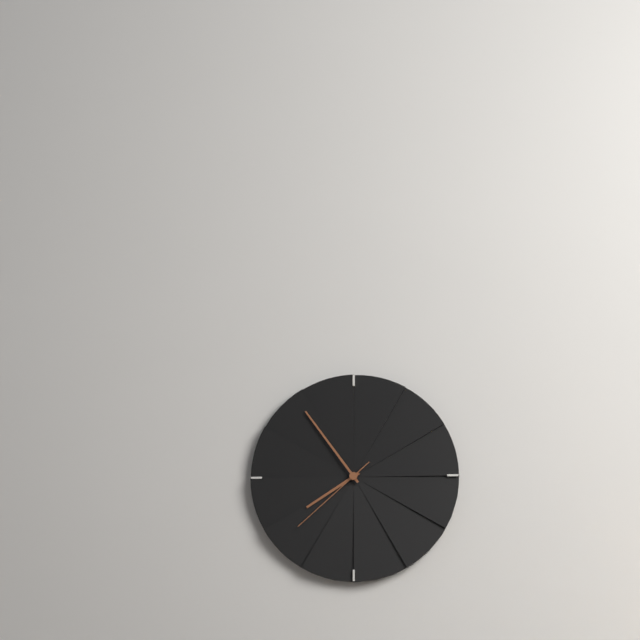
7:54:38
